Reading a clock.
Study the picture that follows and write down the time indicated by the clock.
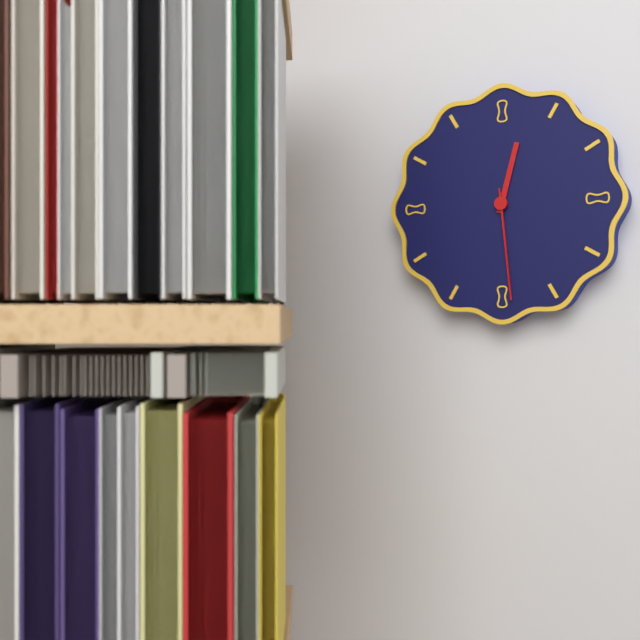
12:29:29
